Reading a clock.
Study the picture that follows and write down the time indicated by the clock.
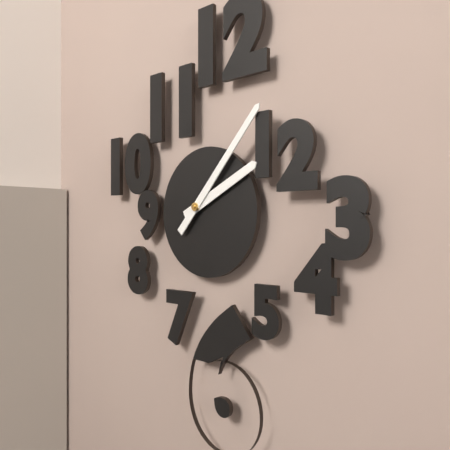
2:07
